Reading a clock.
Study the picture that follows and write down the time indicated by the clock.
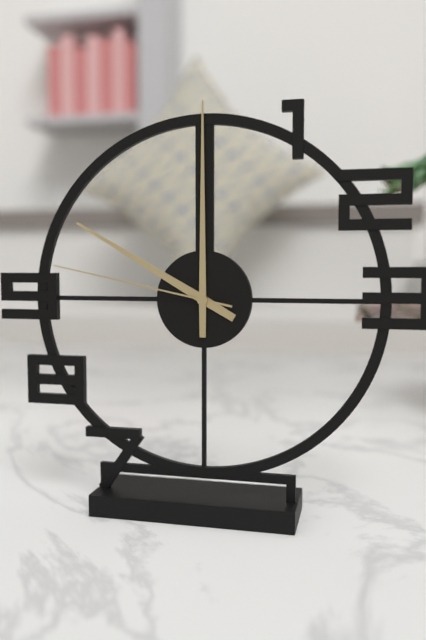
10:00:47
